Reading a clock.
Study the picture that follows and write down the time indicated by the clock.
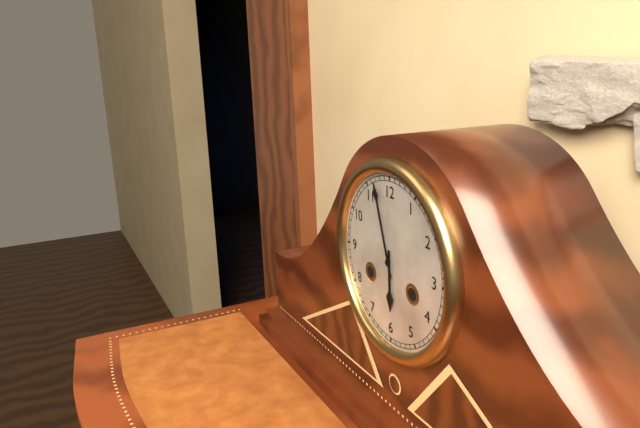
5:57
